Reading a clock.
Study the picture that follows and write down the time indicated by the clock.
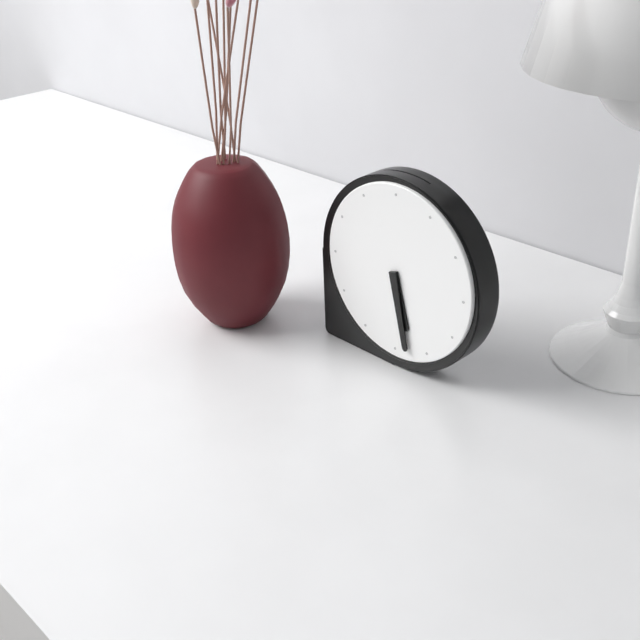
5:28
